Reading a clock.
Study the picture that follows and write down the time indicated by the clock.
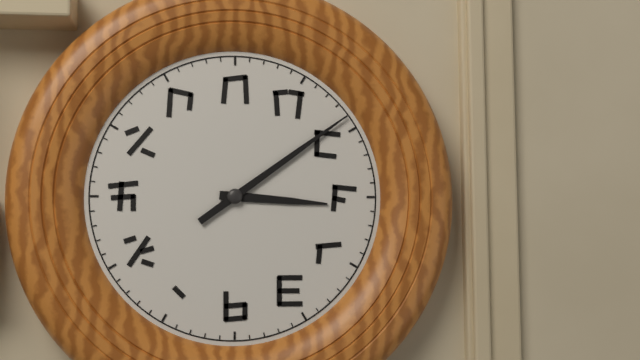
3:09
